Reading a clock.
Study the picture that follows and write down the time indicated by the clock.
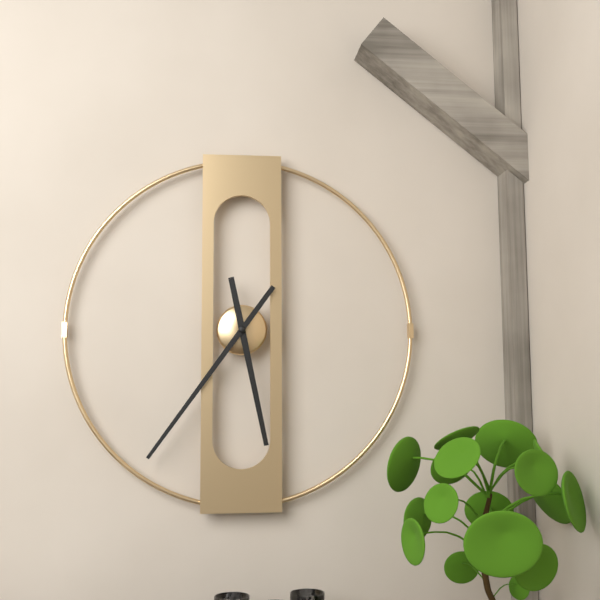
5:36
